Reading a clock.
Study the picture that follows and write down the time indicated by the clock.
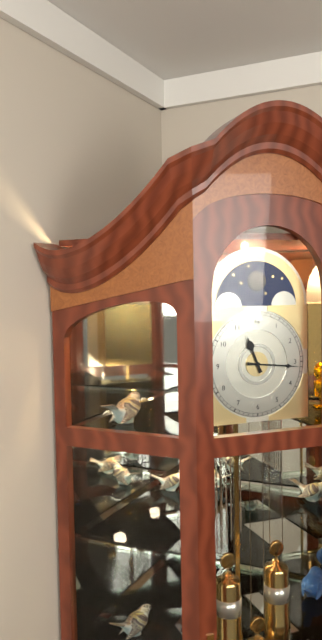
11:16
